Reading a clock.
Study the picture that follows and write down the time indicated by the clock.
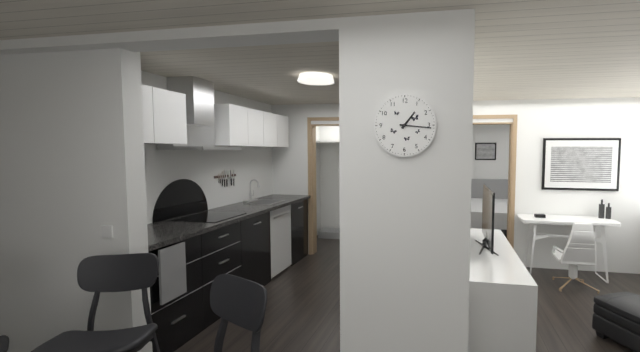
1:16
